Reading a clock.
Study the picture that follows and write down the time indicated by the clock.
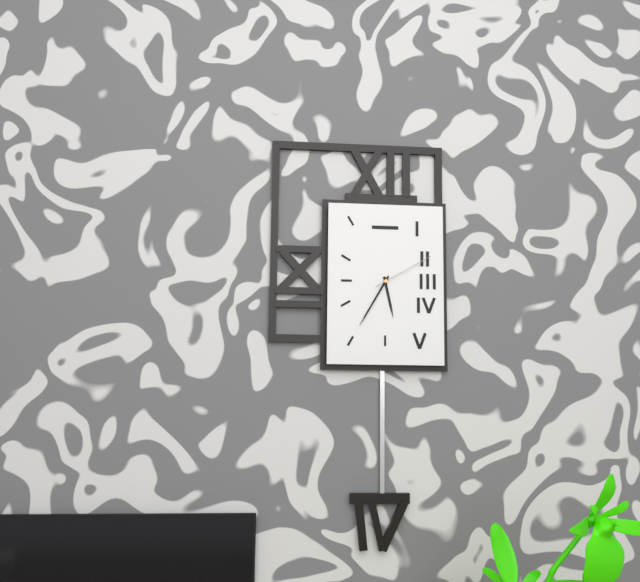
5:35:10
